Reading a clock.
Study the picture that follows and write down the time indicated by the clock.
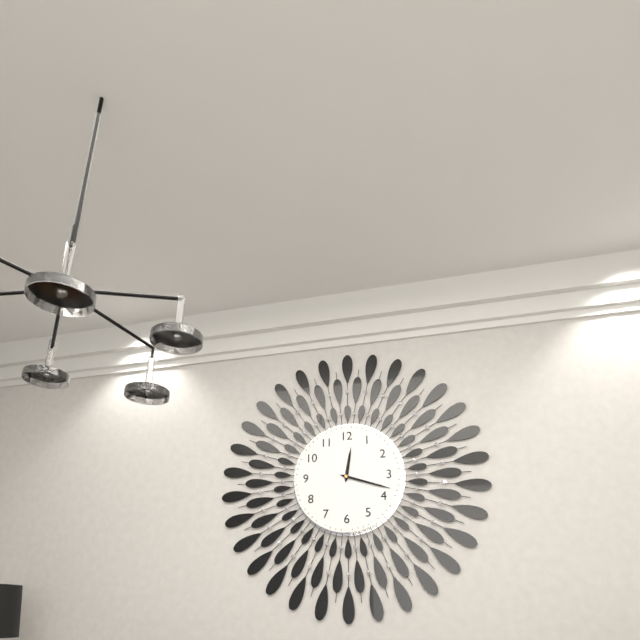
12:18
